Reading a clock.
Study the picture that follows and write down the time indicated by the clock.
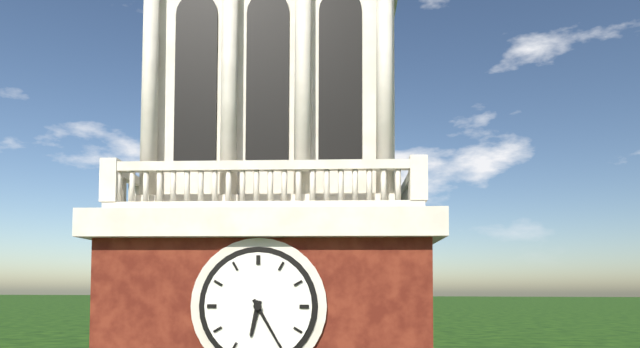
6:25
